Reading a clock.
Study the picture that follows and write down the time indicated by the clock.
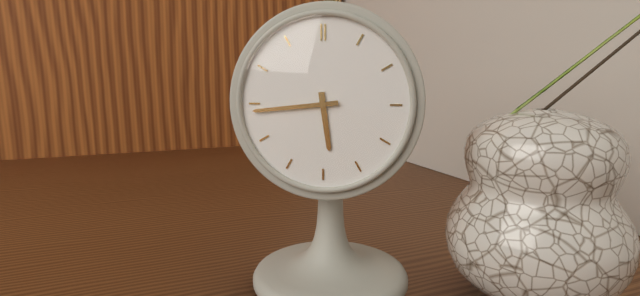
5:44
